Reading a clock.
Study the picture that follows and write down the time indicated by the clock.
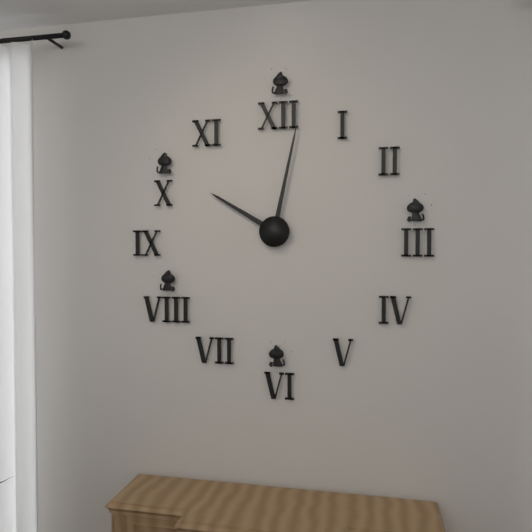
10:02
